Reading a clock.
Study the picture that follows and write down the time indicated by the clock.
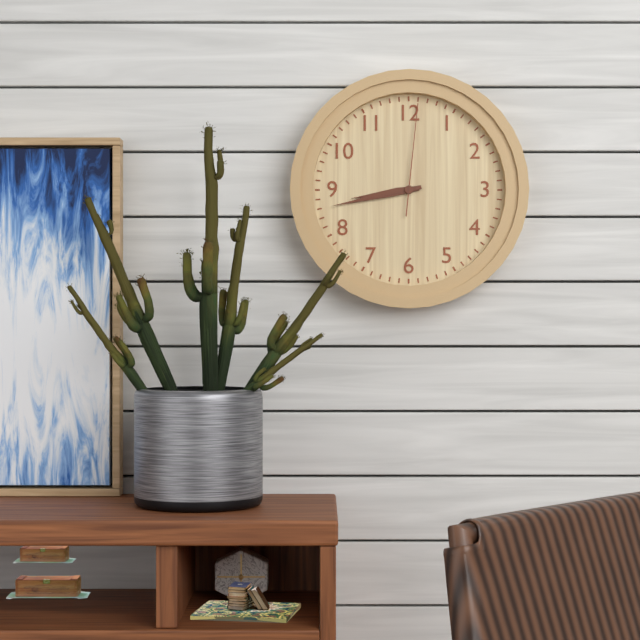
8:43:01
